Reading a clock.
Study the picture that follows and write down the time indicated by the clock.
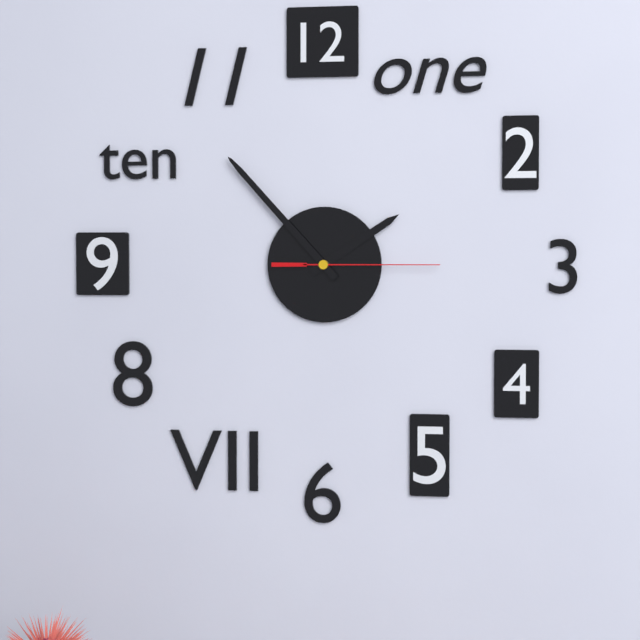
1:53:15
